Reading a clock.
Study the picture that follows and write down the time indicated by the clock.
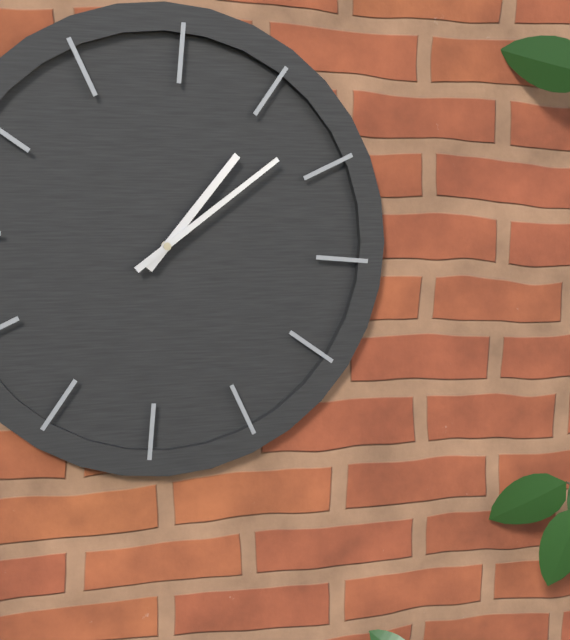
1:08
